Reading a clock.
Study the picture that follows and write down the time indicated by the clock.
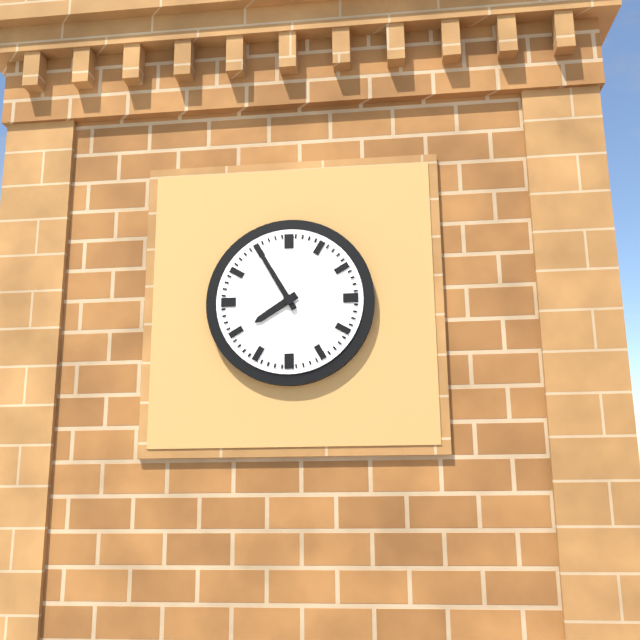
7:55
